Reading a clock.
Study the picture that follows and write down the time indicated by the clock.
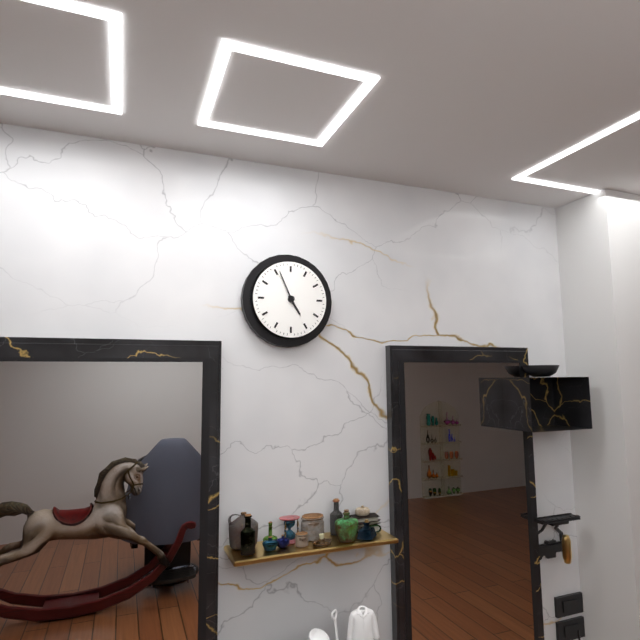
4:56
